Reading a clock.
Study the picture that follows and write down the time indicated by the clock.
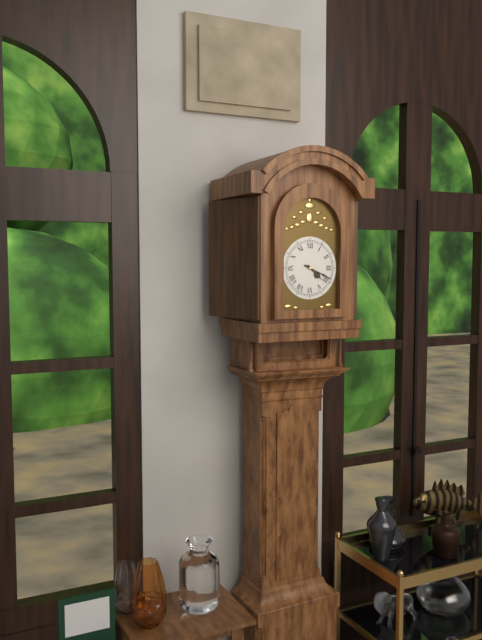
4:19
